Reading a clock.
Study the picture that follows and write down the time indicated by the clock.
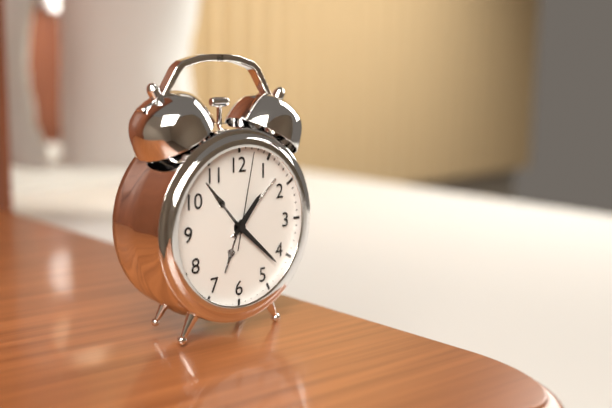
1:22:02
